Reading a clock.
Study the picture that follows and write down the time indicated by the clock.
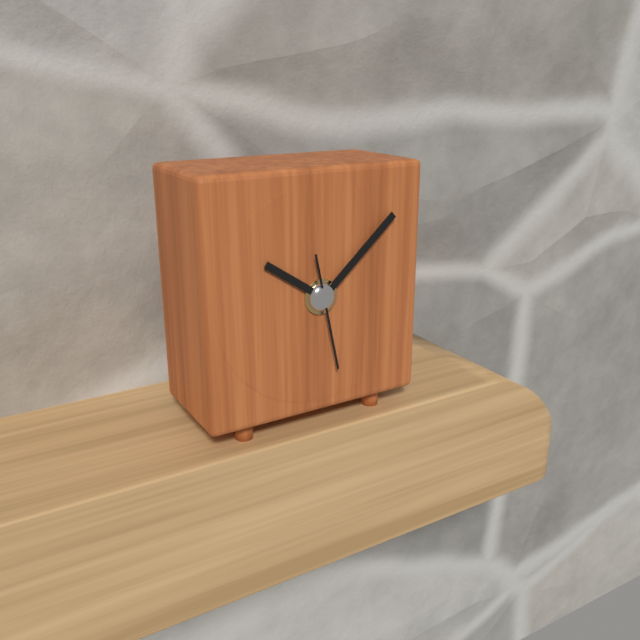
10:08:28
